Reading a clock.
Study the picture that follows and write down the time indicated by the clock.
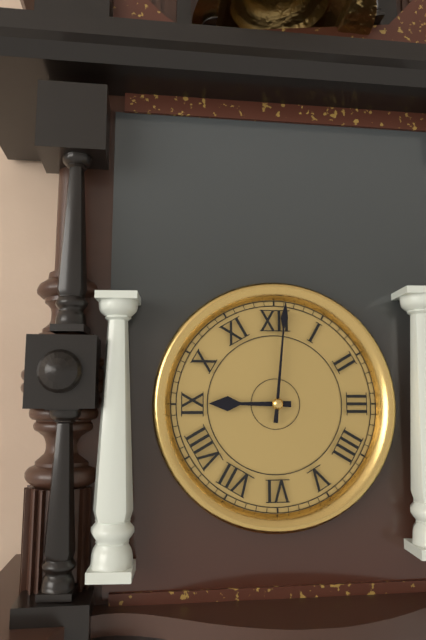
9:01
